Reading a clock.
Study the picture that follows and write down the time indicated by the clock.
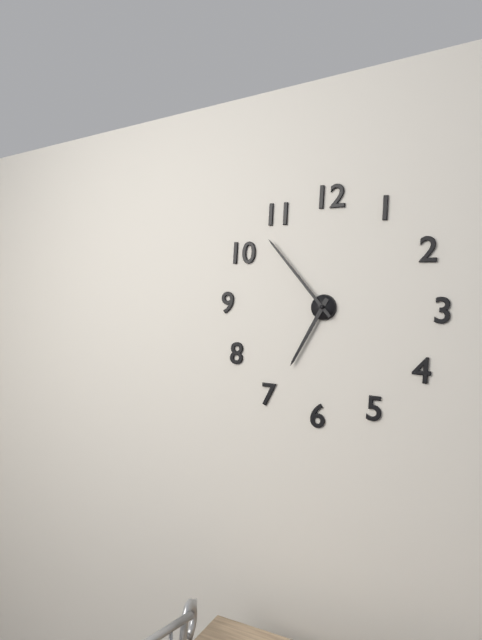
6:53
